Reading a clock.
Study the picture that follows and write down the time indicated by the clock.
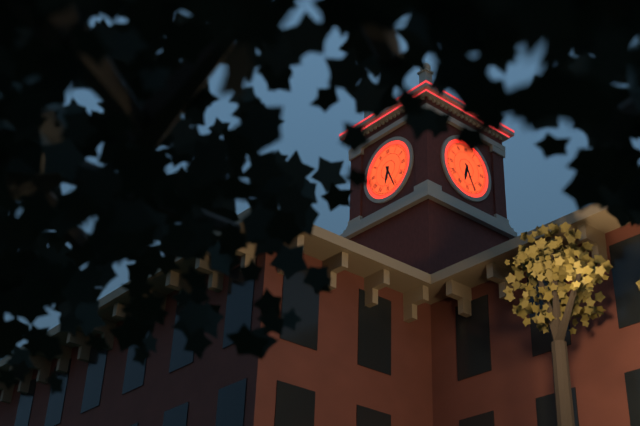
6:26
